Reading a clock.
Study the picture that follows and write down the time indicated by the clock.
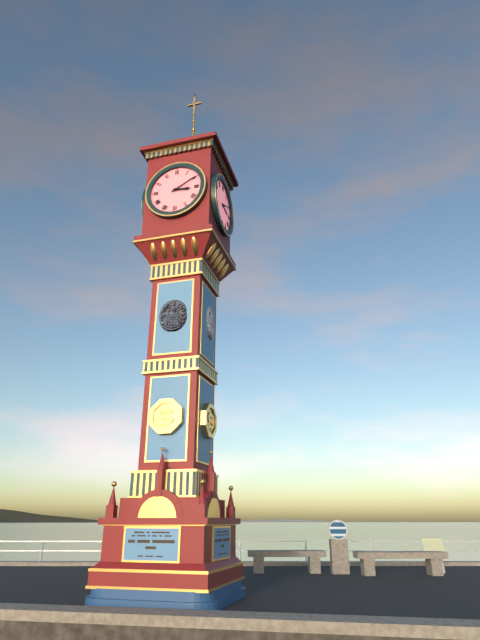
3:10
